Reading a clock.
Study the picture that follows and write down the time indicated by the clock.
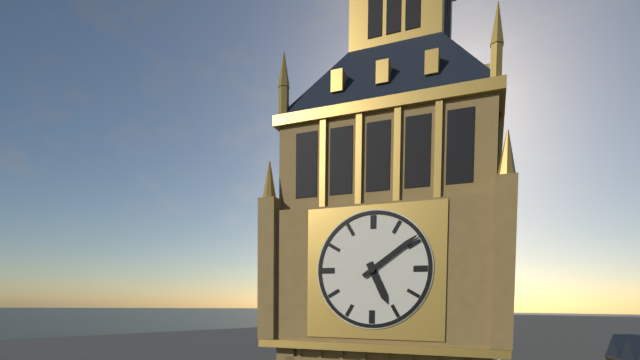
5:09
